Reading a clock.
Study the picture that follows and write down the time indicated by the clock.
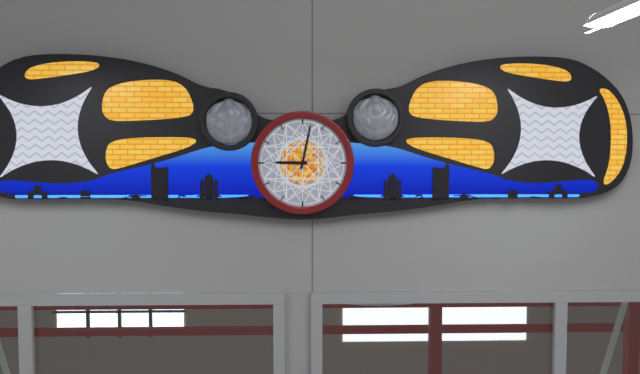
9:02
